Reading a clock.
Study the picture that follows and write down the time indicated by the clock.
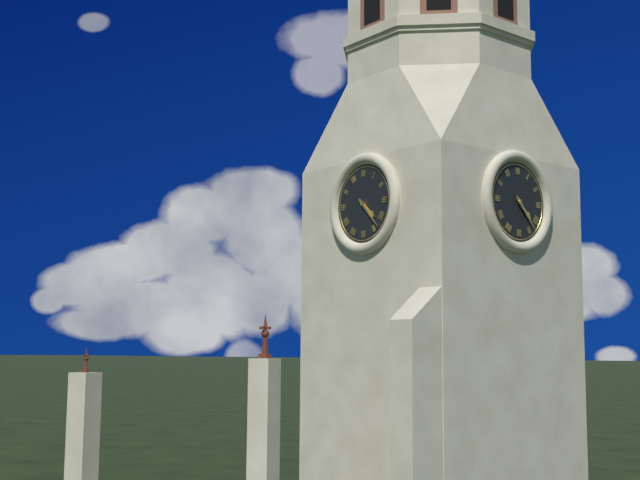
4:23
